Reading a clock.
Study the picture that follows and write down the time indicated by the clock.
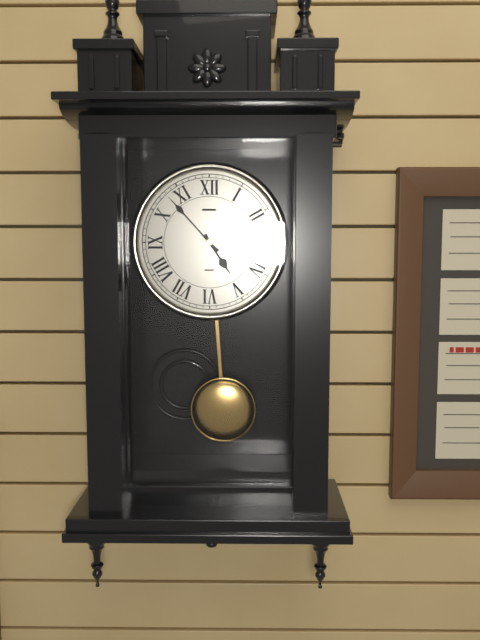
4:53
